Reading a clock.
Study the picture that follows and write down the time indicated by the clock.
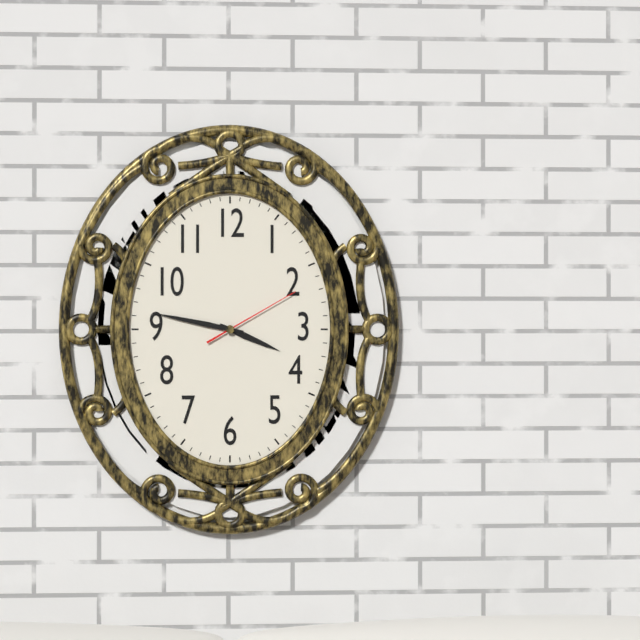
3:47:10
